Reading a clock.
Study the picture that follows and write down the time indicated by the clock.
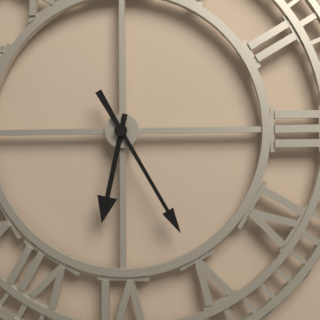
6:25
